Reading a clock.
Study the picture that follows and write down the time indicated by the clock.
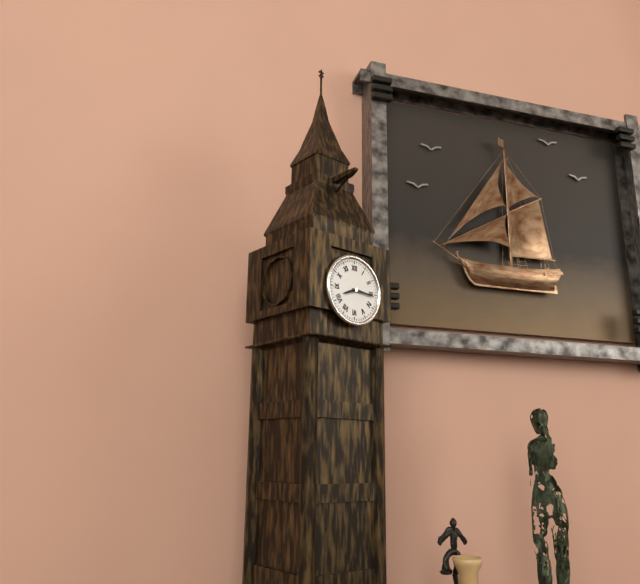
8:16
